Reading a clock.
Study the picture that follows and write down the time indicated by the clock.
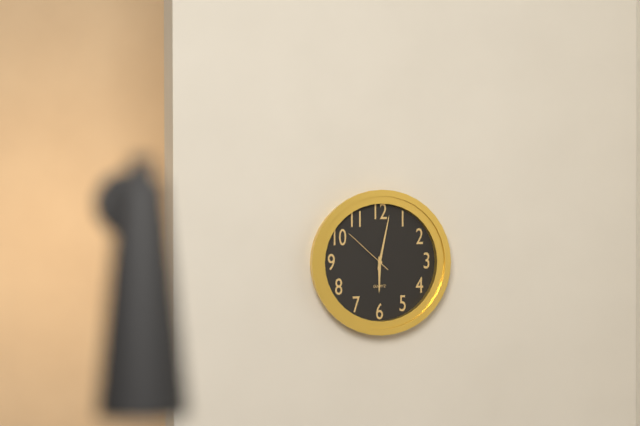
6:02:52
